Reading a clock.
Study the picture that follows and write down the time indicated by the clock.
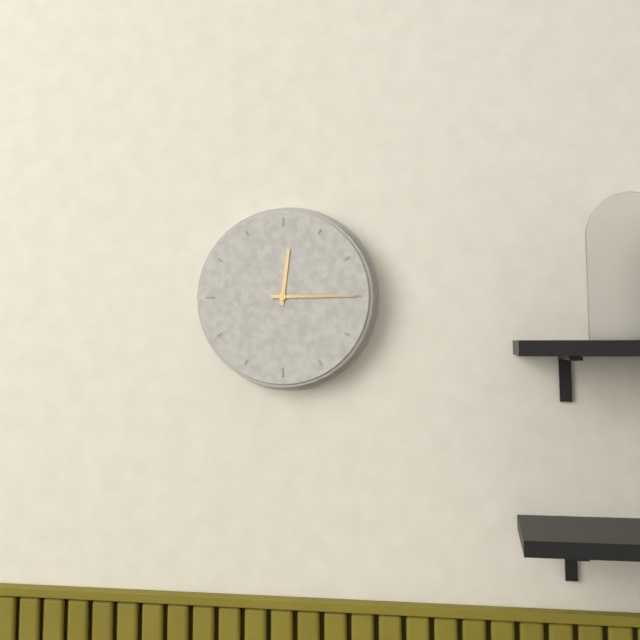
12:15
